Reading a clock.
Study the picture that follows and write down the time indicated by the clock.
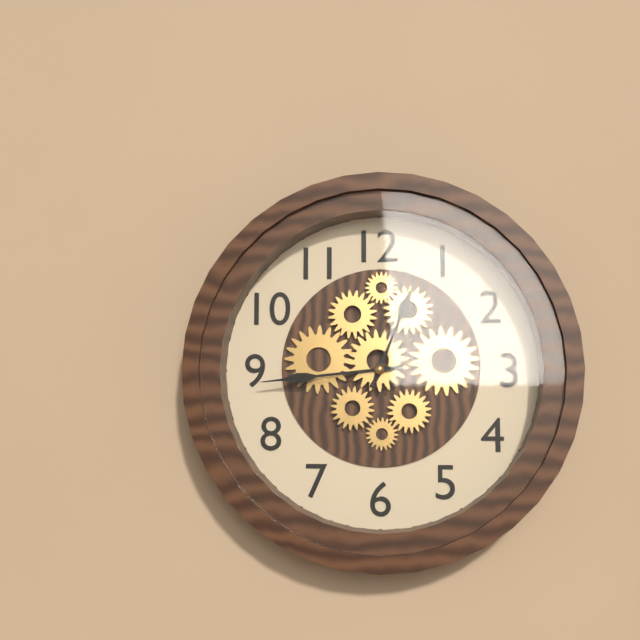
12:44
